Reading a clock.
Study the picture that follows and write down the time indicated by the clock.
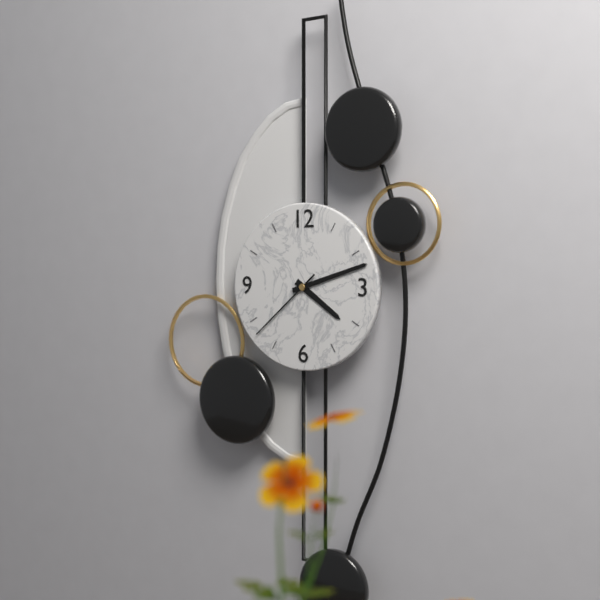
4:12:38
